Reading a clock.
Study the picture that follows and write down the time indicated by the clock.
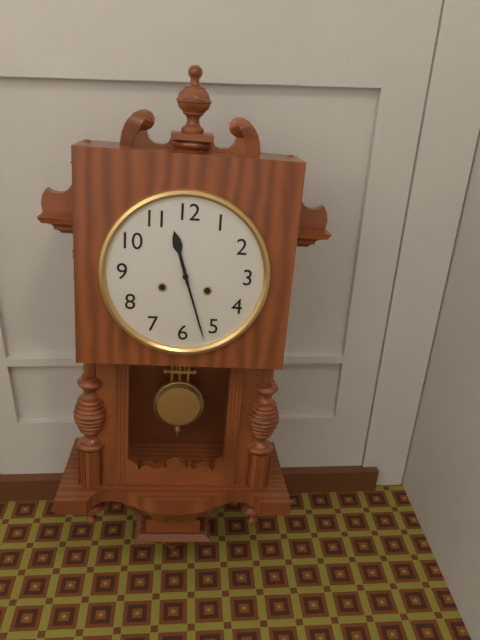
11:27
